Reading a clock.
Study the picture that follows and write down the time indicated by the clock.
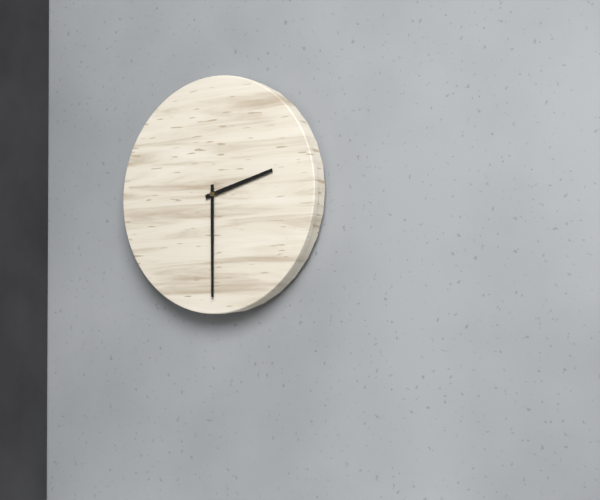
2:30
